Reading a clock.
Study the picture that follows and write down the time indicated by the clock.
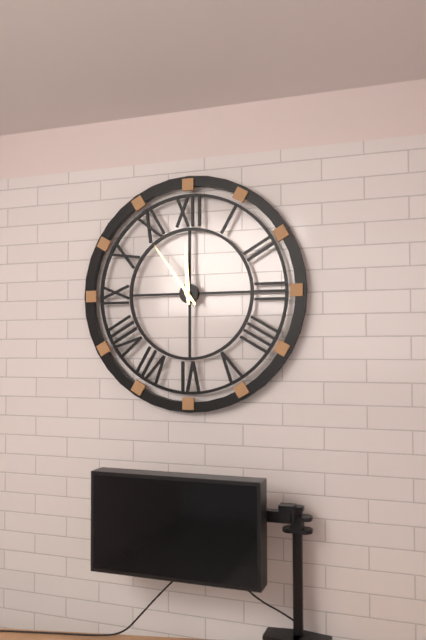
11:54
